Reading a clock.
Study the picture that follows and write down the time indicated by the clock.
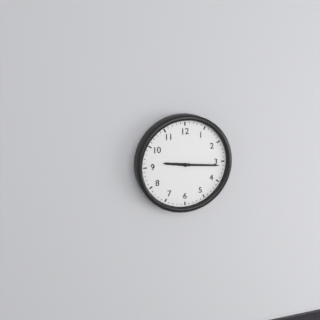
9:16
